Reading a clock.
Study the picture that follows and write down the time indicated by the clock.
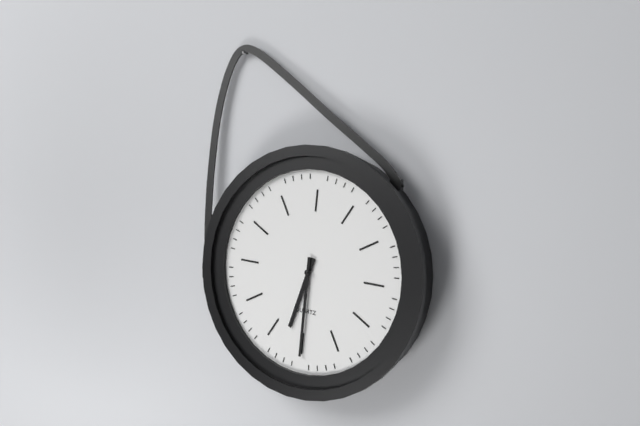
6:30
